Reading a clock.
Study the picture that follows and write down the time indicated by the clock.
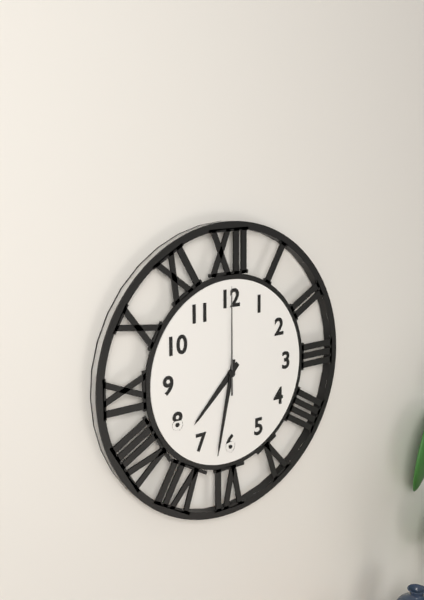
7:32:00
